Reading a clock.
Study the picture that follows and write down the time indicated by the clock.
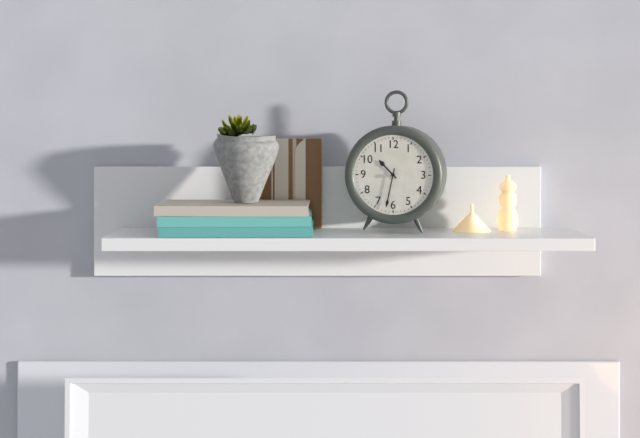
10:32
